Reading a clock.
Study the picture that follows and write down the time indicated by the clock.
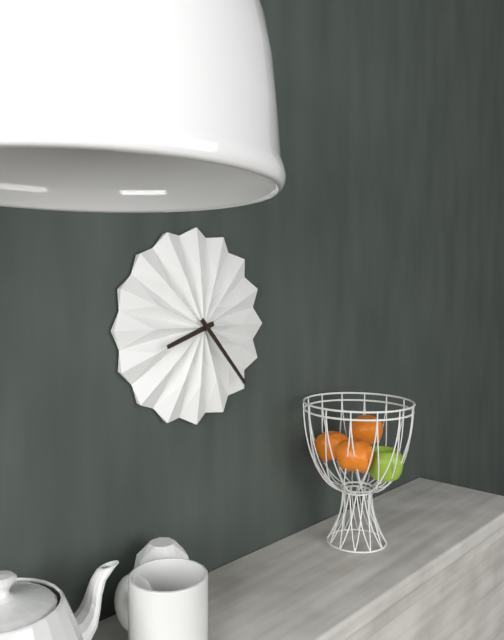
8:23
